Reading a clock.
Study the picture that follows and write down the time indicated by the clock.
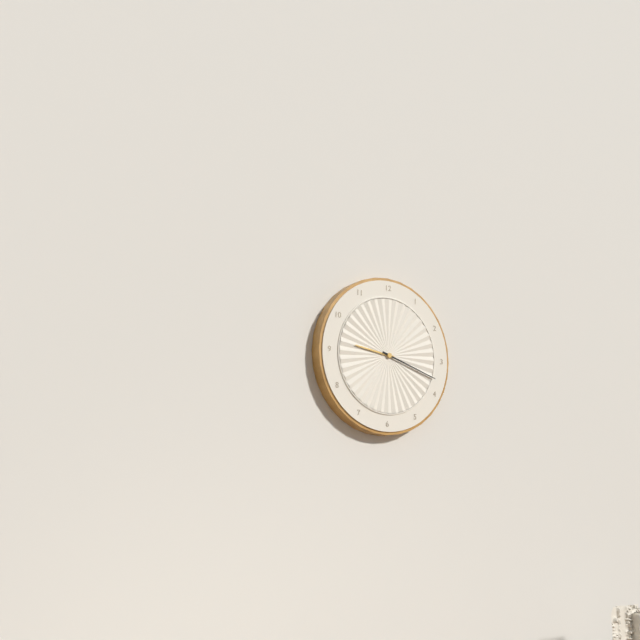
9:18
